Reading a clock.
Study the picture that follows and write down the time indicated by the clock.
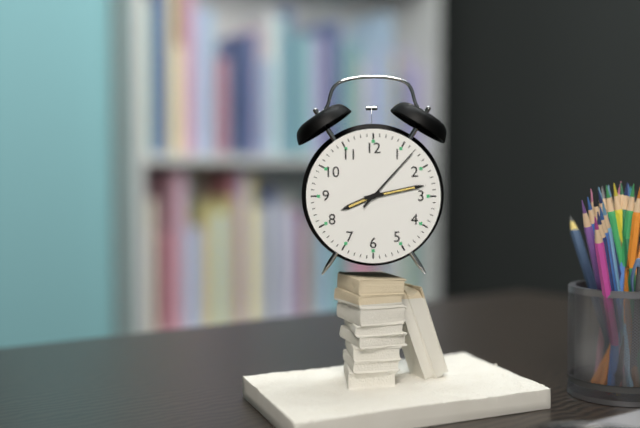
8:13:07
